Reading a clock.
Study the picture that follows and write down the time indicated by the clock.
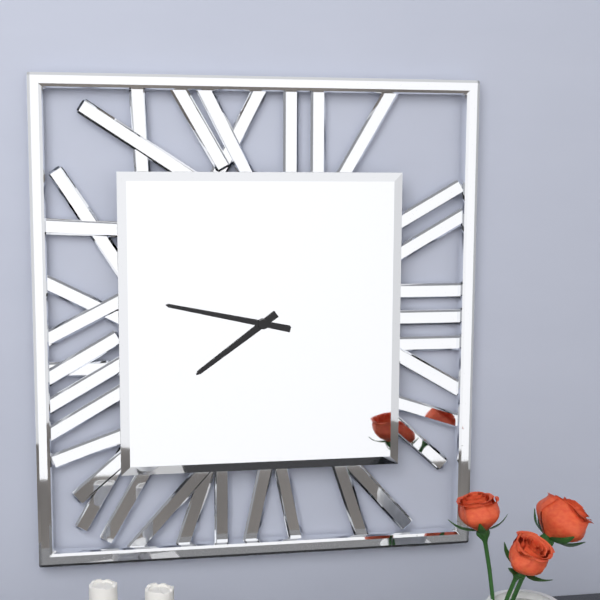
7:47
